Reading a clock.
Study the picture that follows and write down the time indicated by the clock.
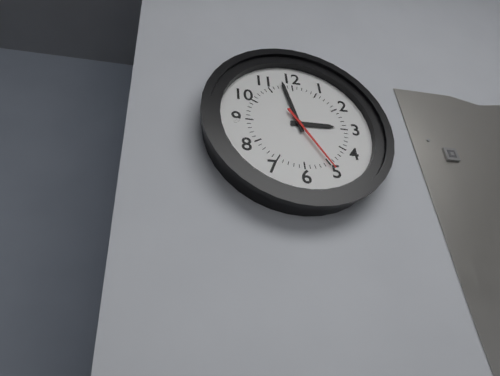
2:58:25
